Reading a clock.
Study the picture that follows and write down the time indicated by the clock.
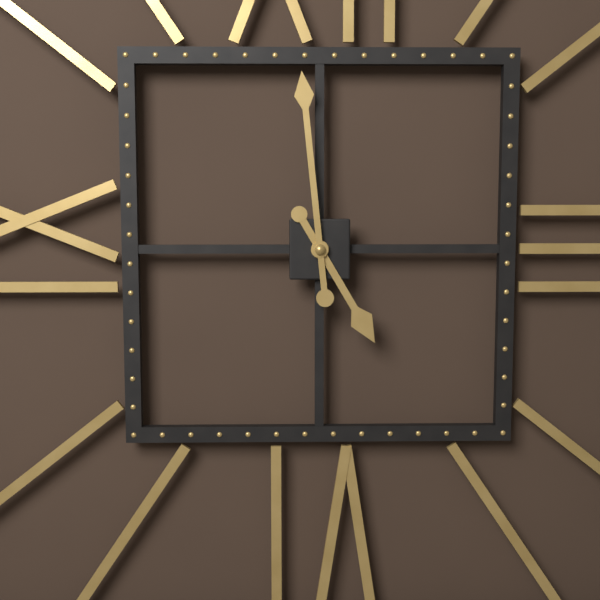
4:59
